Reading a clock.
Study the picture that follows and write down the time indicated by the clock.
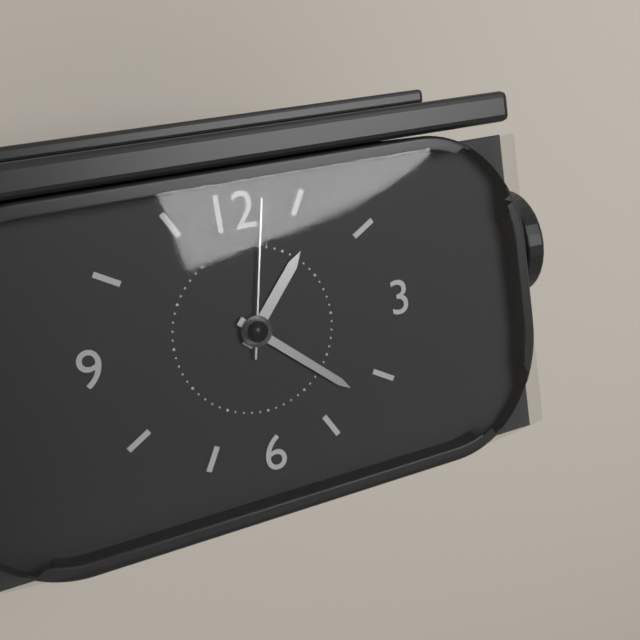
1:22:02
